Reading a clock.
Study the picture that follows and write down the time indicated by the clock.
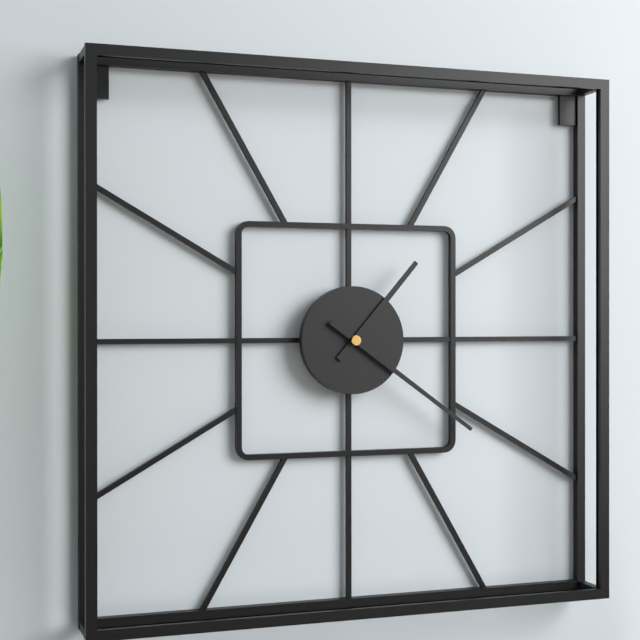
1:21
